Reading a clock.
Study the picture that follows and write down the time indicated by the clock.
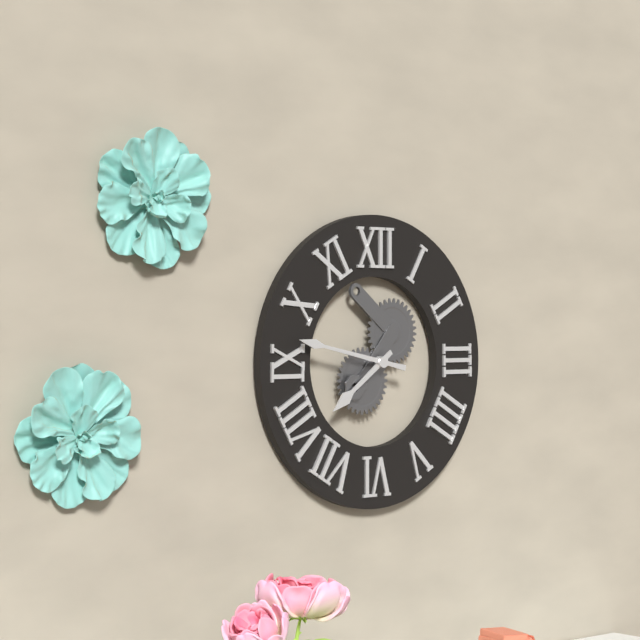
7:47
